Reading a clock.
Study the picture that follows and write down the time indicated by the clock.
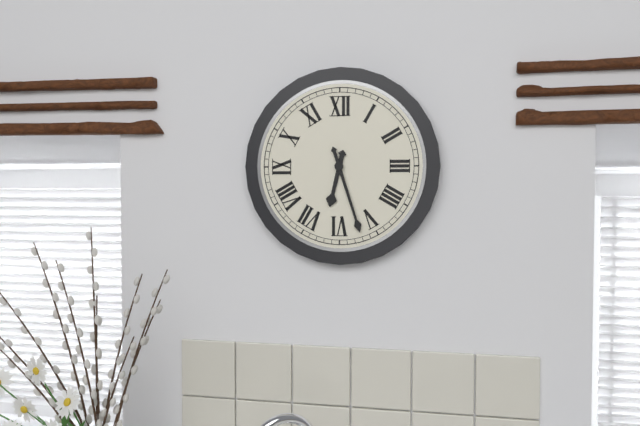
6:27
